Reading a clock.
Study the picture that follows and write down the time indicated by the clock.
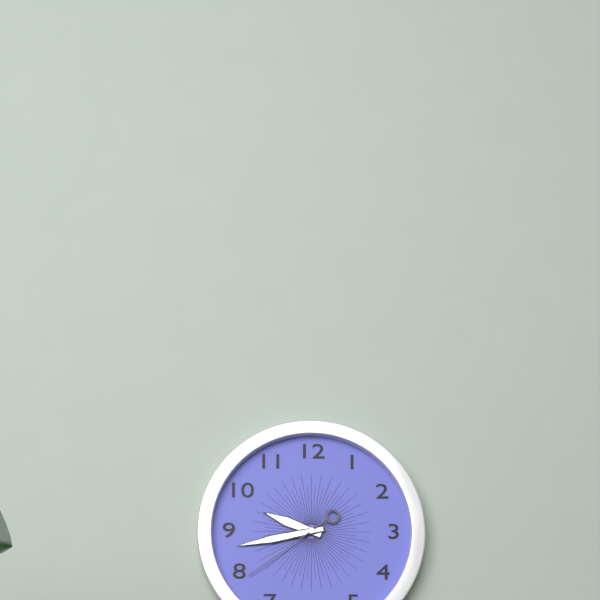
9:43:39
